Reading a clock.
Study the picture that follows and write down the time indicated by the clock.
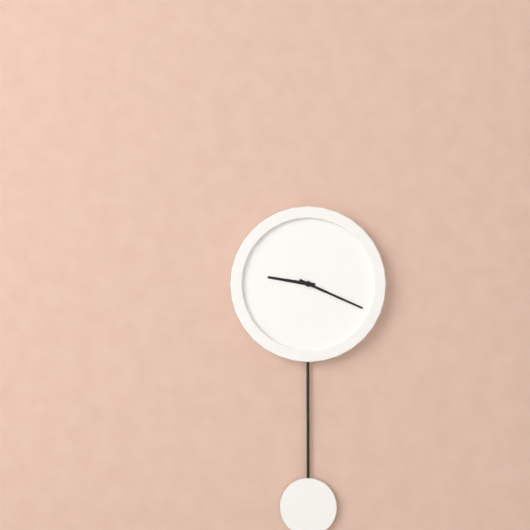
9:19
